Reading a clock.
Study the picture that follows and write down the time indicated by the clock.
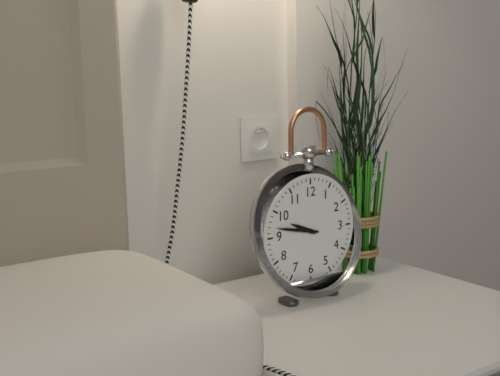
9:47
